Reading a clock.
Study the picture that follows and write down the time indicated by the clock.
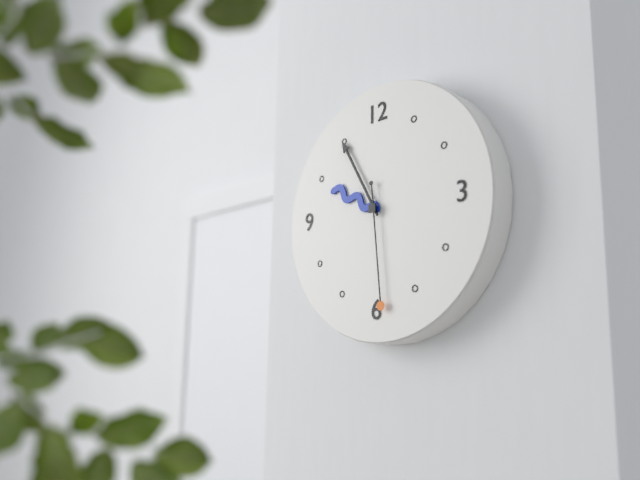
9:55:29
